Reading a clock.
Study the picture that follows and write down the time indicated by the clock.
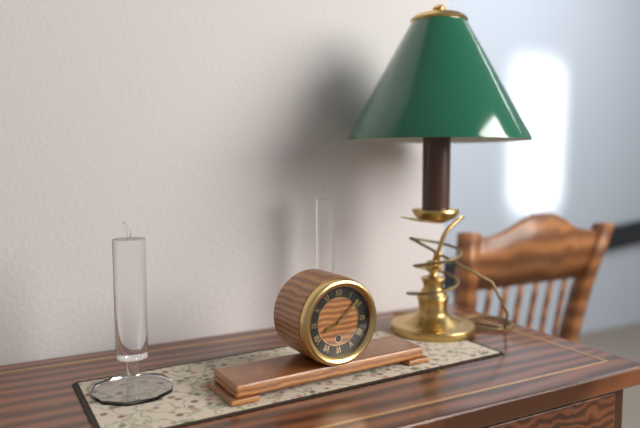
8:08
